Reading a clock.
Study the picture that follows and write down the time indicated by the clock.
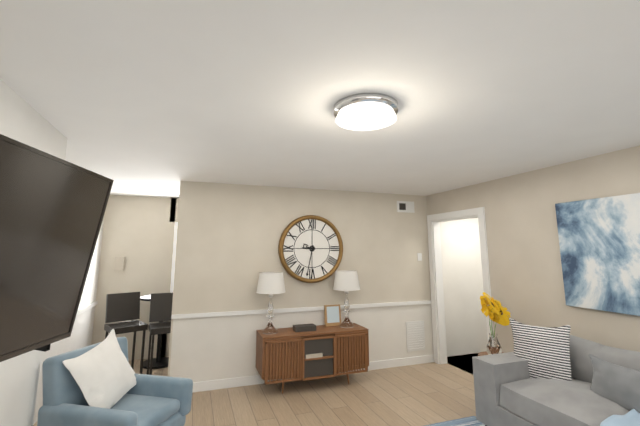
9:32
